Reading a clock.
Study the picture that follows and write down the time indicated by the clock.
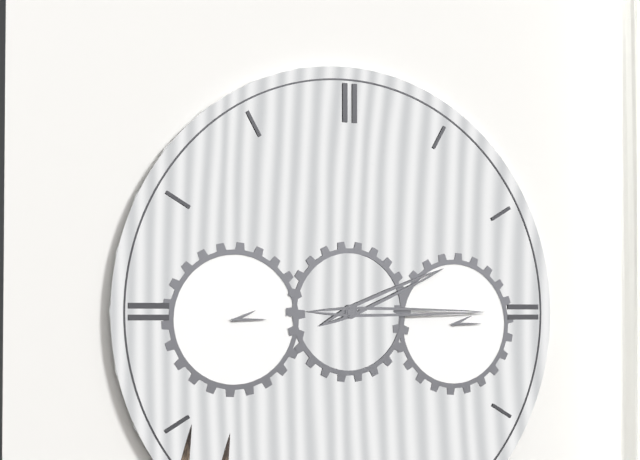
2:15
